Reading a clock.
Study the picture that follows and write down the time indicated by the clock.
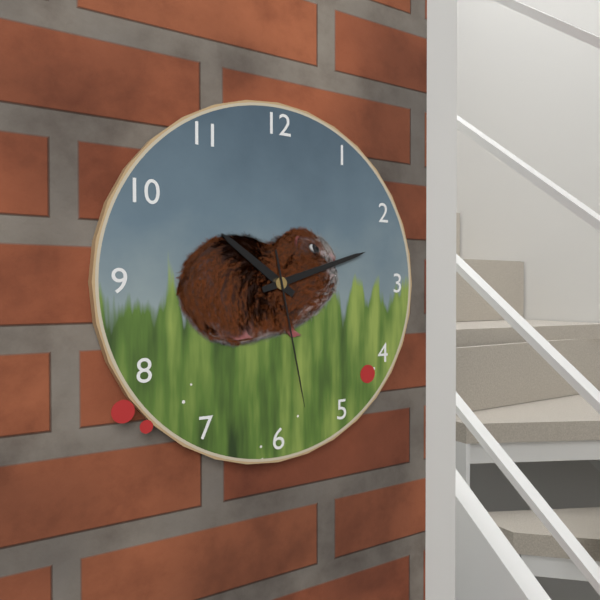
10:12:28
